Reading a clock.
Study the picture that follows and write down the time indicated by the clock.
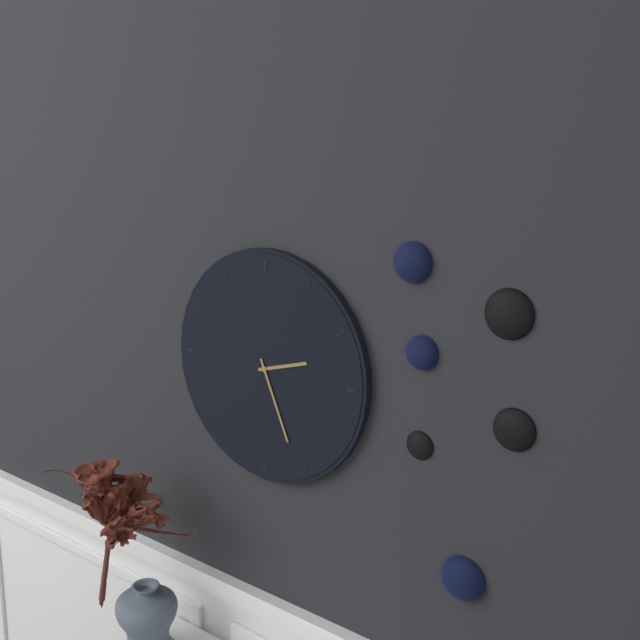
2:26
